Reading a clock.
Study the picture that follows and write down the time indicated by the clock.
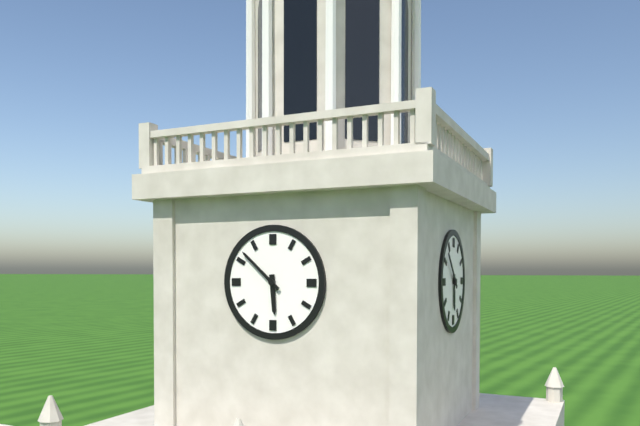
5:52
